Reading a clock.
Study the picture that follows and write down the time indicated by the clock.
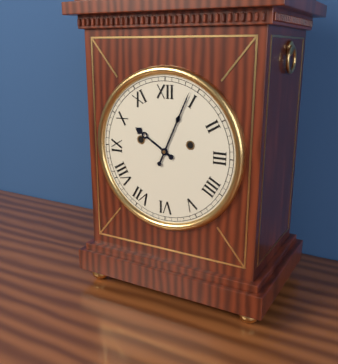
10:04
